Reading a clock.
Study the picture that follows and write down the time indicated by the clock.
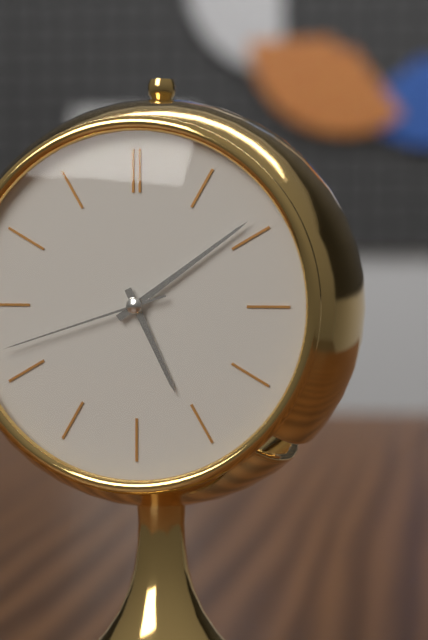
5:09:42
